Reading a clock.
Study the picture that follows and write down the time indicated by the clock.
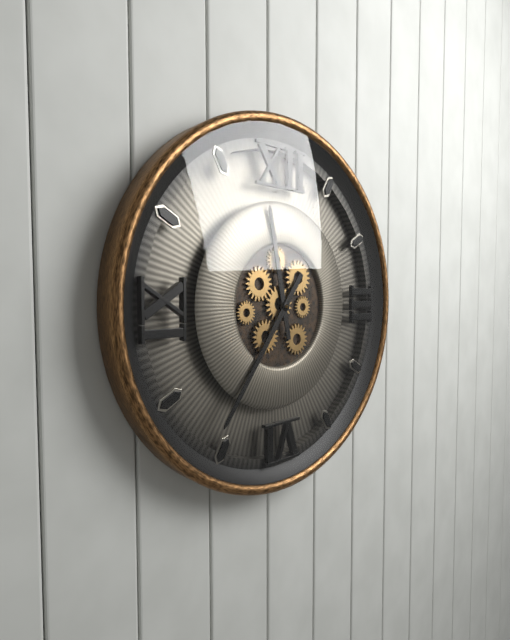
11:36
